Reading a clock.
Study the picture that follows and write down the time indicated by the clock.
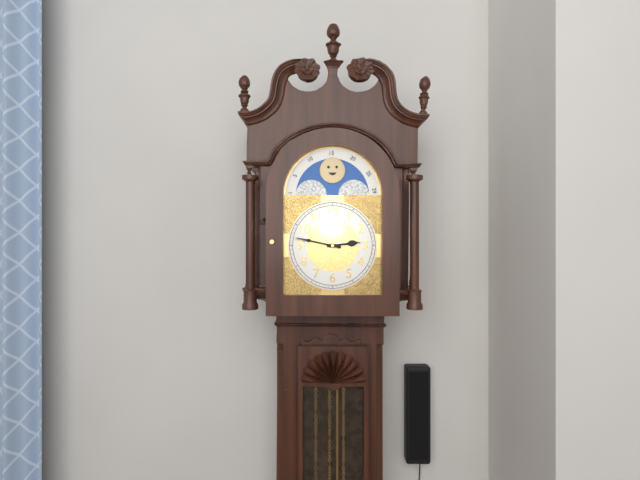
2:47
